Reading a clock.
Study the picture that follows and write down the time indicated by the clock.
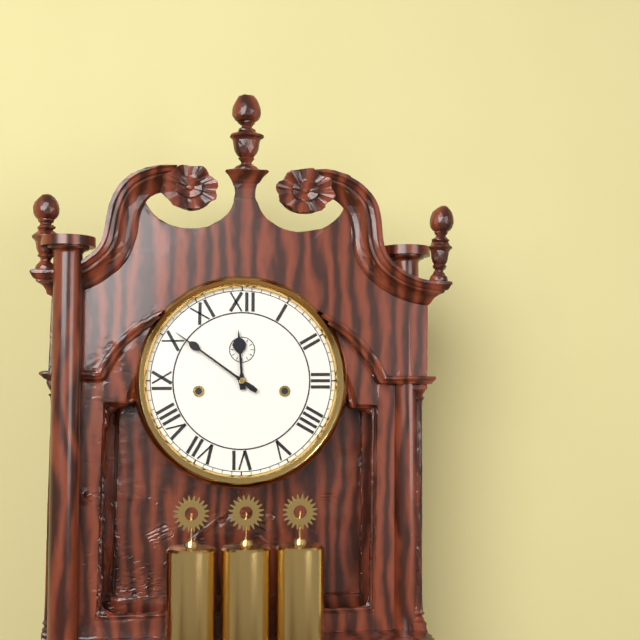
11:51
